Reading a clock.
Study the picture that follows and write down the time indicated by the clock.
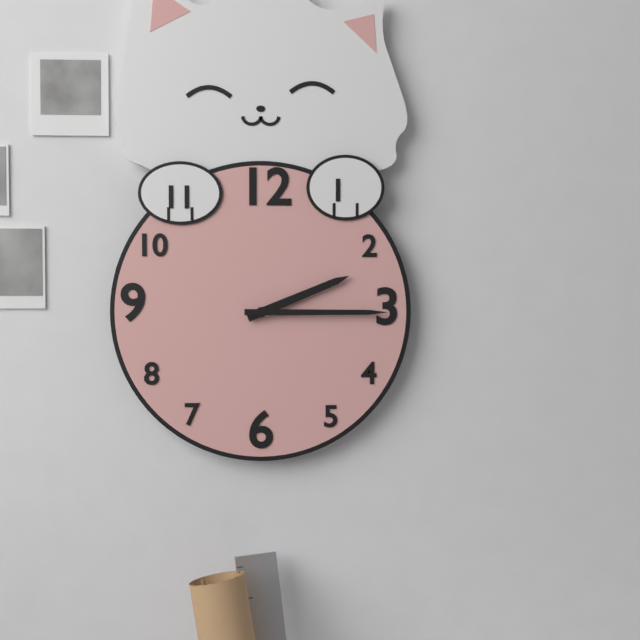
2:15
